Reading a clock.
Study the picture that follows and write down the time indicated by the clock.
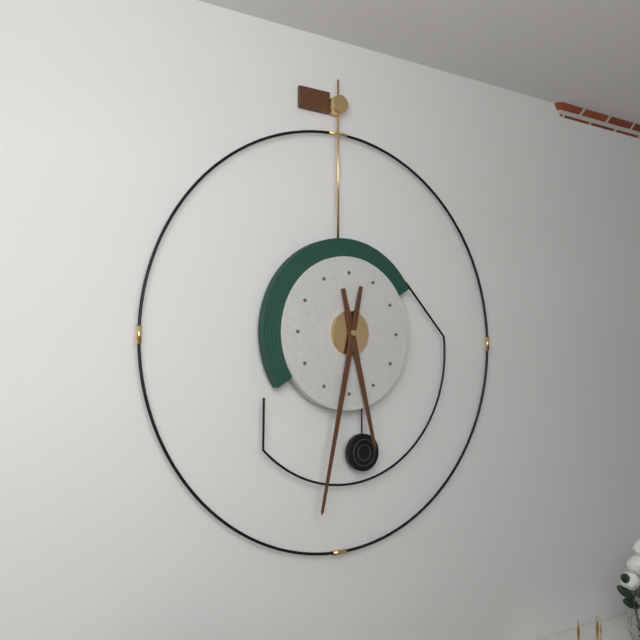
5:32
